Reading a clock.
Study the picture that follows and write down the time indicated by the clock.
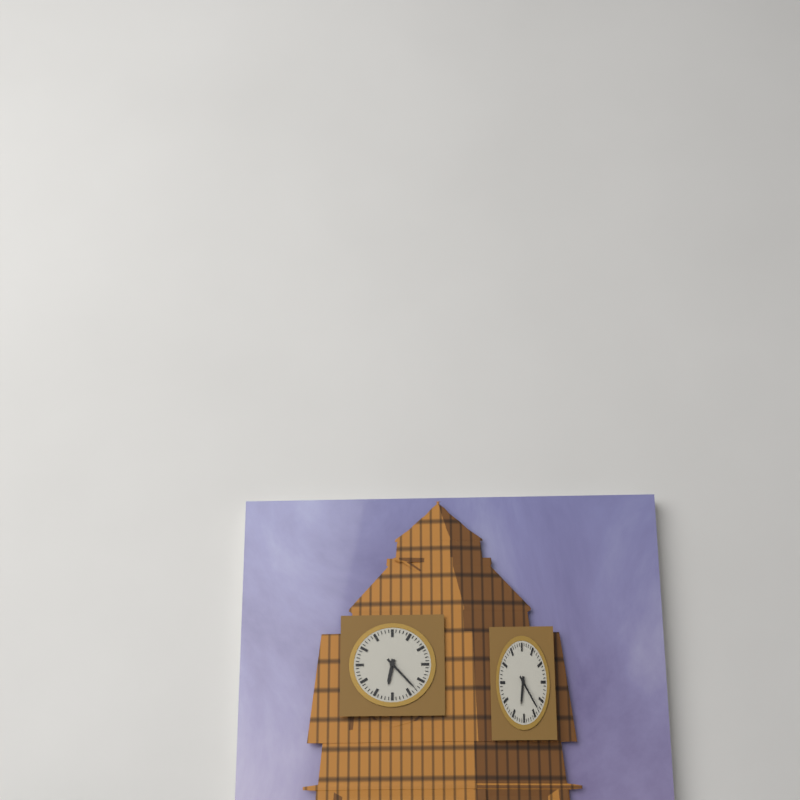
6:23
